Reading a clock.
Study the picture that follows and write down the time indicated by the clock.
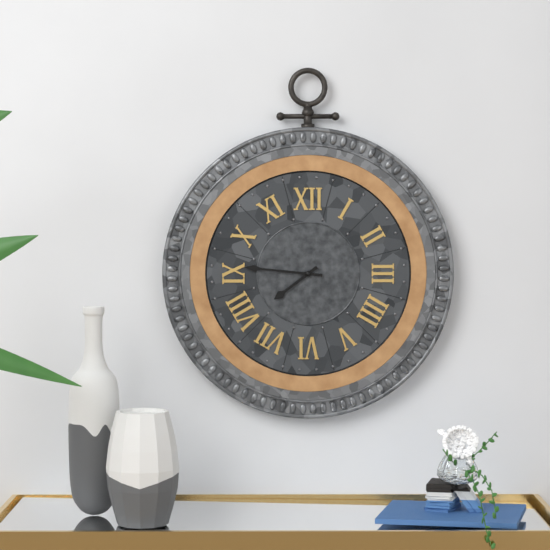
7:46
